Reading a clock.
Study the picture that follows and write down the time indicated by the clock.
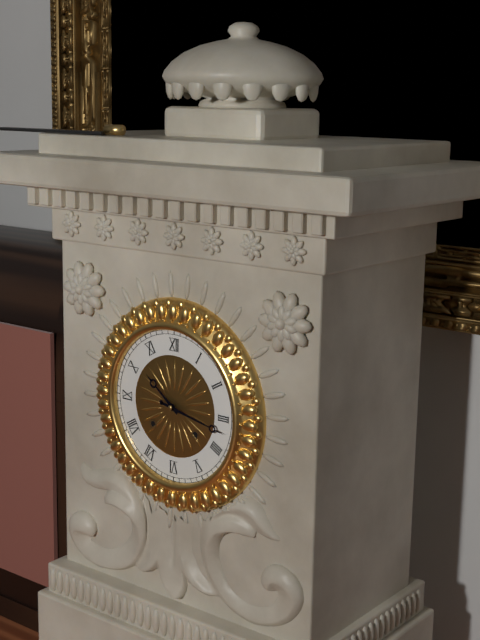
10:17
